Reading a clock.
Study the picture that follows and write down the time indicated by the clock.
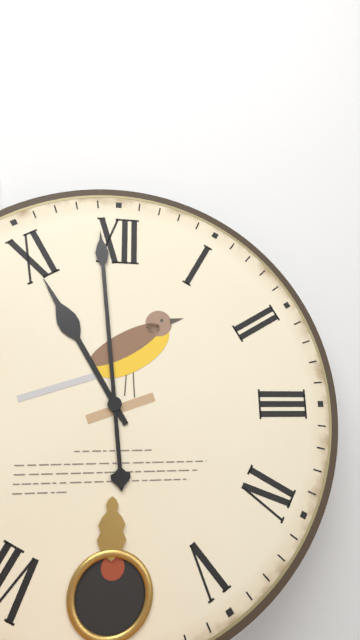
10:59
